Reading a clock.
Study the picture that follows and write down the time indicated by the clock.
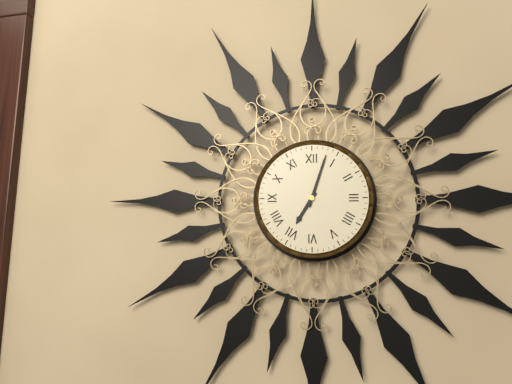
7:03
